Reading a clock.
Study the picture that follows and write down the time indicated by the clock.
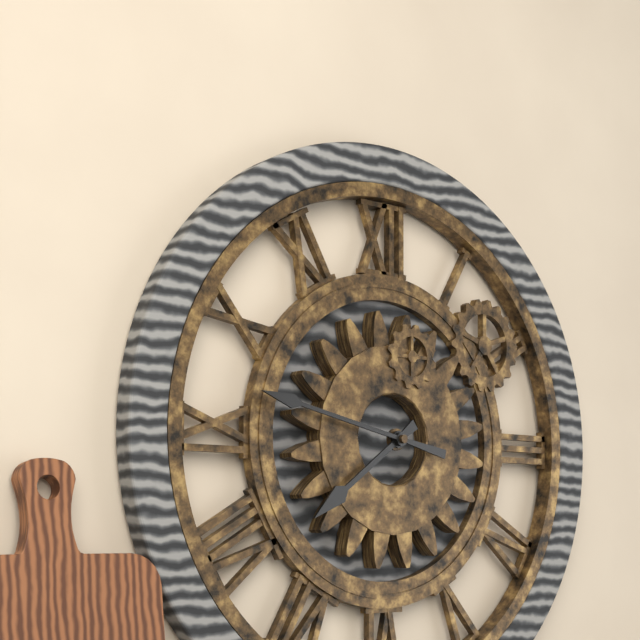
7:47
